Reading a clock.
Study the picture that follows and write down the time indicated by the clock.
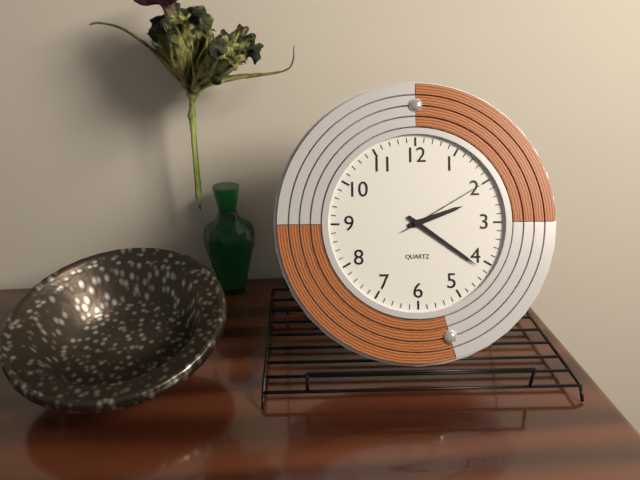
2:21:10
